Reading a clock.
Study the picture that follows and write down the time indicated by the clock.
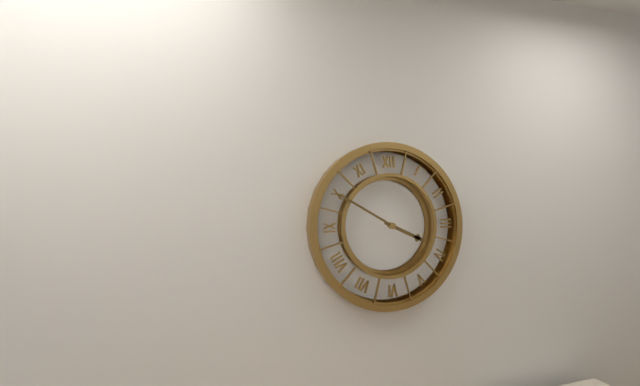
3:50
